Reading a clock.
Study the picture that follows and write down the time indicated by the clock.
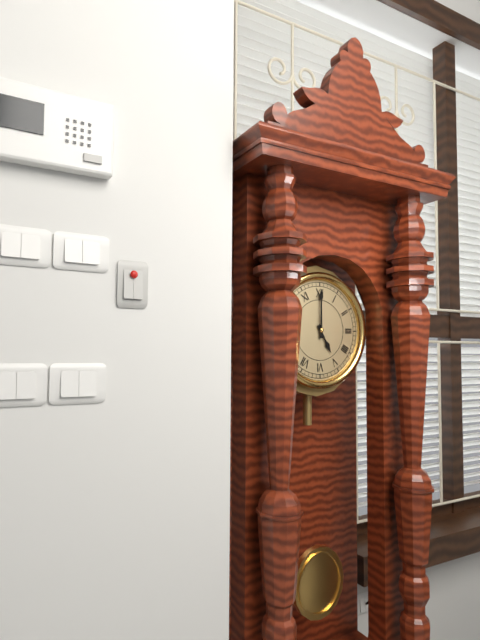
5:00
